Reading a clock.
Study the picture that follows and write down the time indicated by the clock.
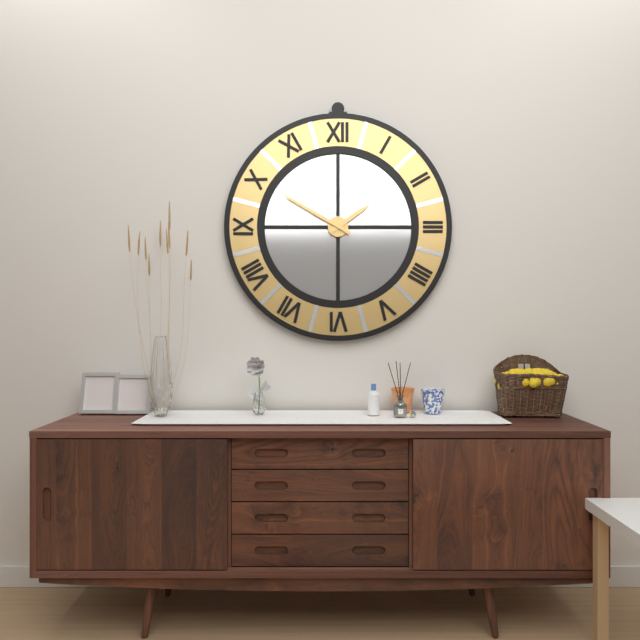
1:50
